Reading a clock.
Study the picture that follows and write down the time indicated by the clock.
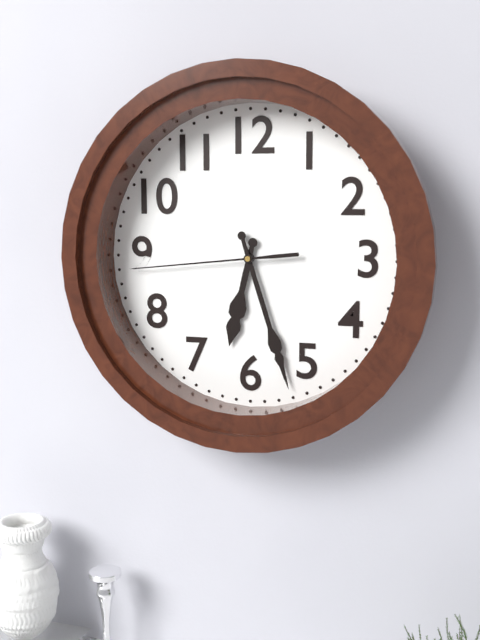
6:27:44
